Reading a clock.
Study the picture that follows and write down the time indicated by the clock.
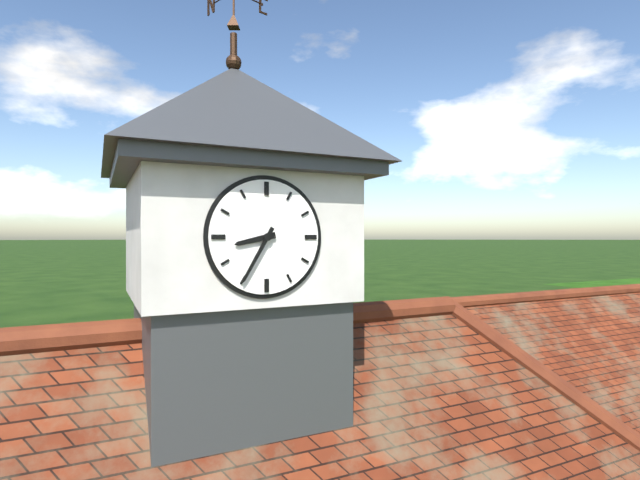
8:35
